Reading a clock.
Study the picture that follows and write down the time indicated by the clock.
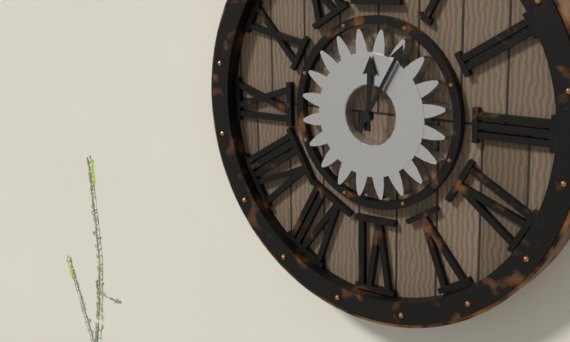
12:05
